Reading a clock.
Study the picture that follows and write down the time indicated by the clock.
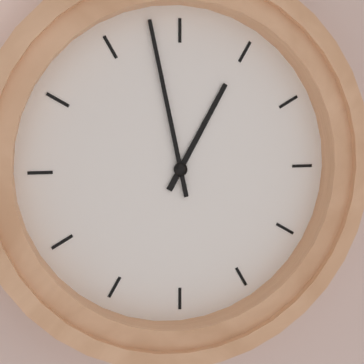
12:58
